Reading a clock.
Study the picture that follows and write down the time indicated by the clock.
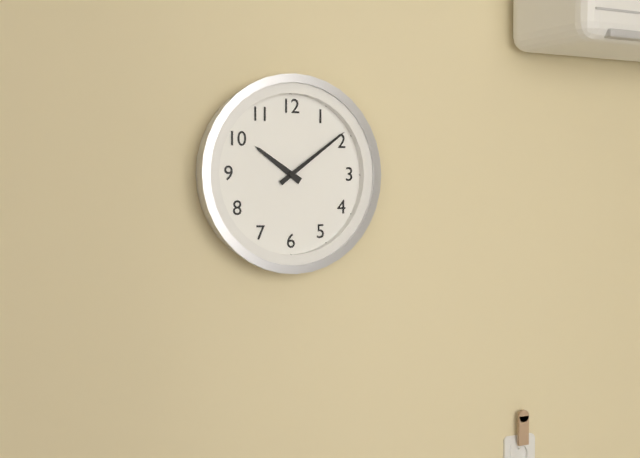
10:09
